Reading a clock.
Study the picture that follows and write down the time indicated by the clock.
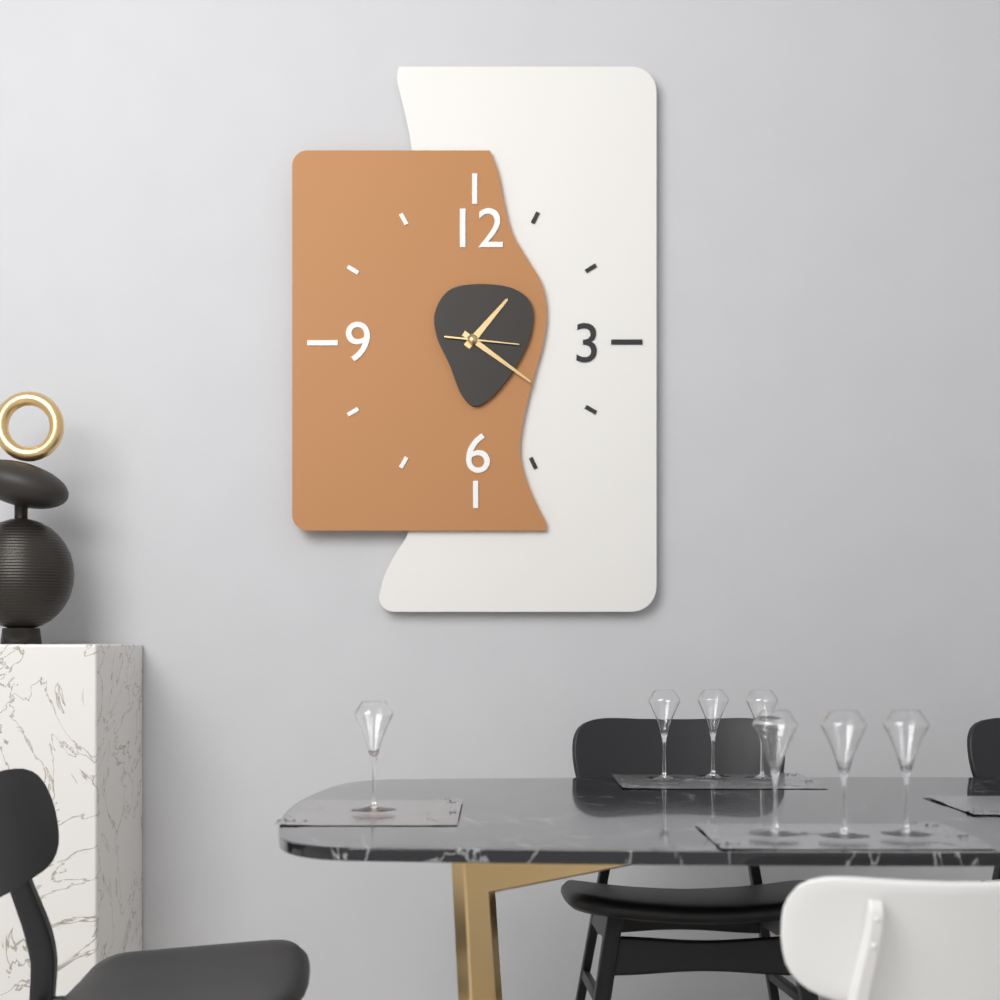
1:21:16
